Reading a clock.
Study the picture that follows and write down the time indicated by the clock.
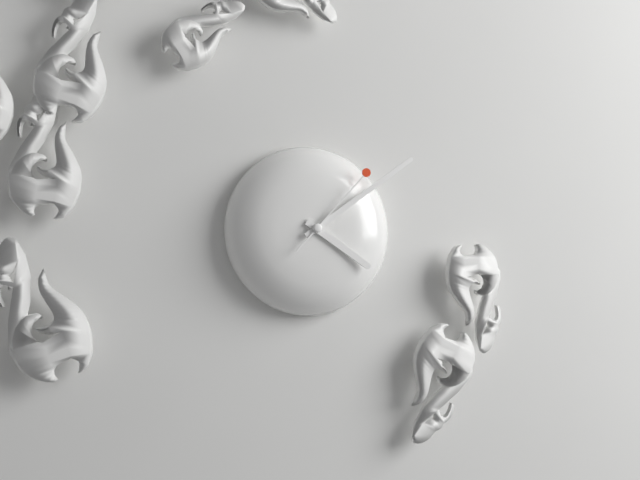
4:09:07
